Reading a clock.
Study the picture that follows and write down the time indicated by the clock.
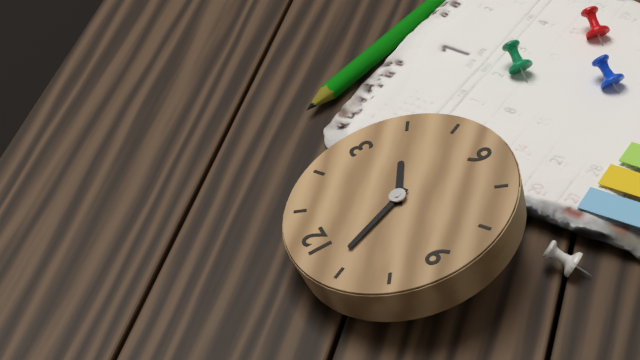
3:56
